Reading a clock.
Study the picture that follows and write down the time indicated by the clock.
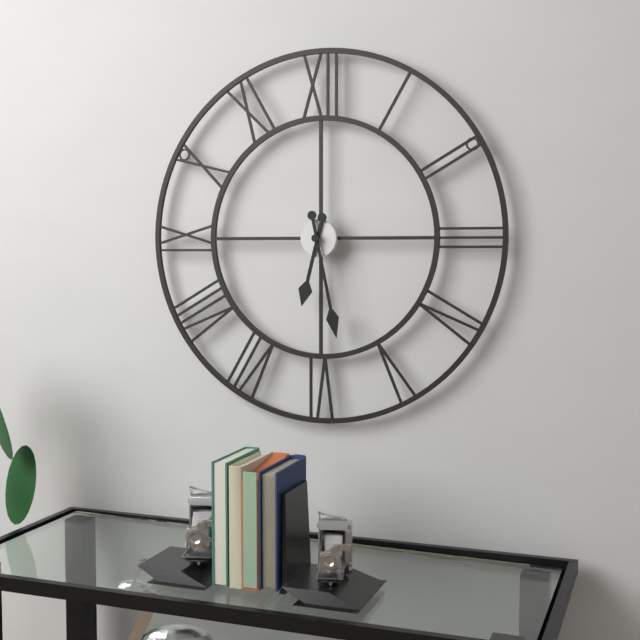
6:28
